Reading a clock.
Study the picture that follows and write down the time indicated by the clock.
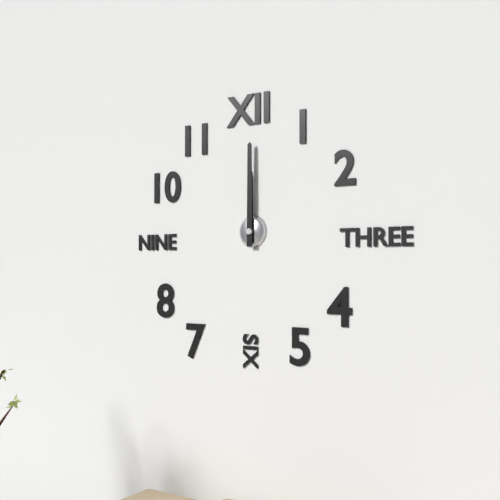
12:00
